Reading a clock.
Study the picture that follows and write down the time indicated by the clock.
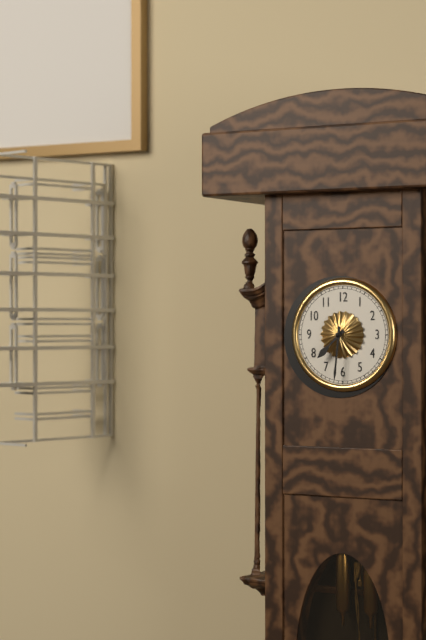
7:31
